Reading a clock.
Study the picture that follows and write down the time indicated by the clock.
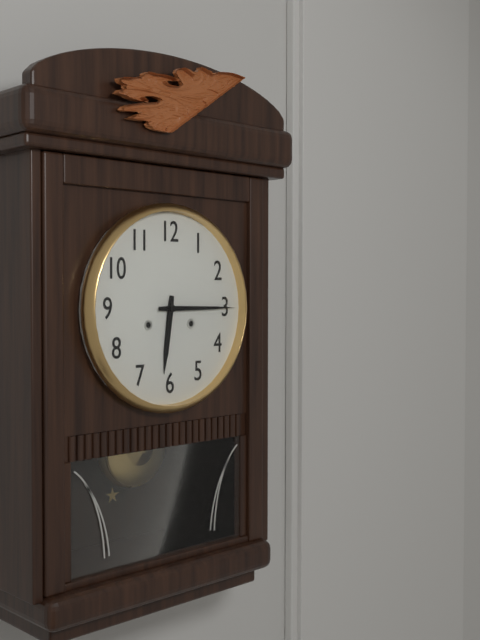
6:15
